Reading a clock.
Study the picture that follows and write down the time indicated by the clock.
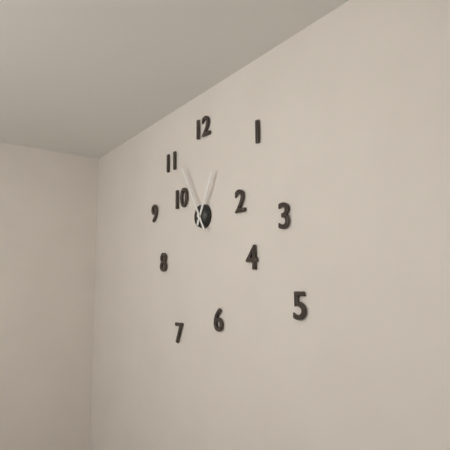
12:55
